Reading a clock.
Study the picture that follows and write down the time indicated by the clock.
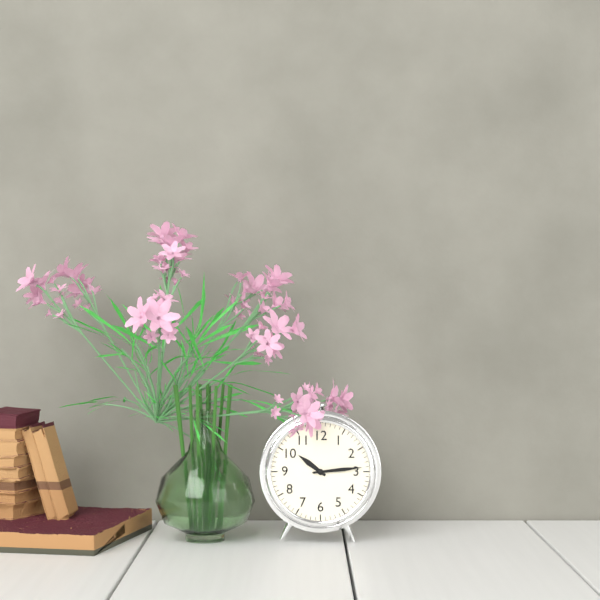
10:14
